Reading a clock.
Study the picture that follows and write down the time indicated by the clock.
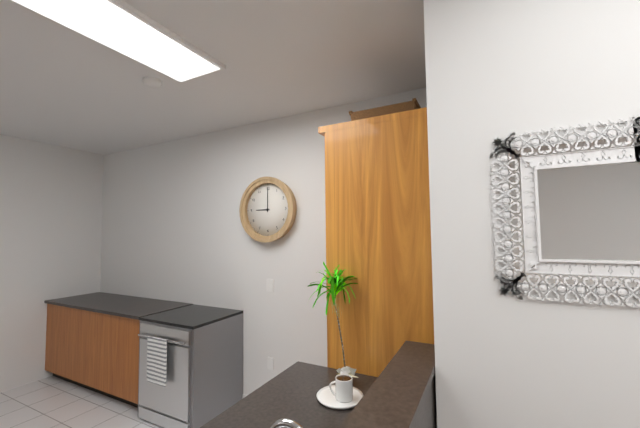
9:00
